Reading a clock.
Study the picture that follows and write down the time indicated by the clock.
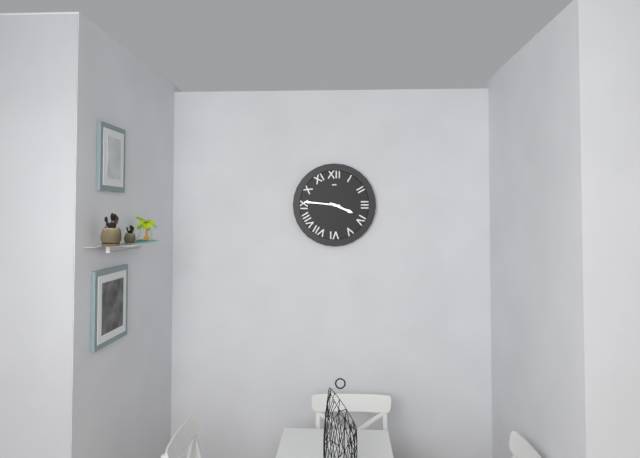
3:46
